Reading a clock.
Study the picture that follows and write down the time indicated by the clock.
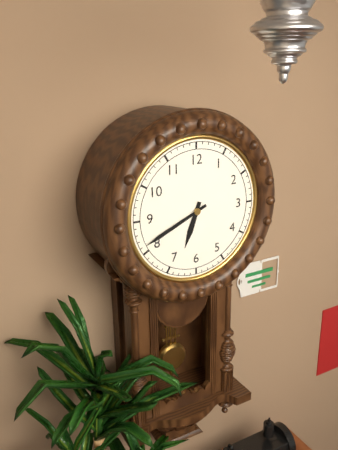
6:41
